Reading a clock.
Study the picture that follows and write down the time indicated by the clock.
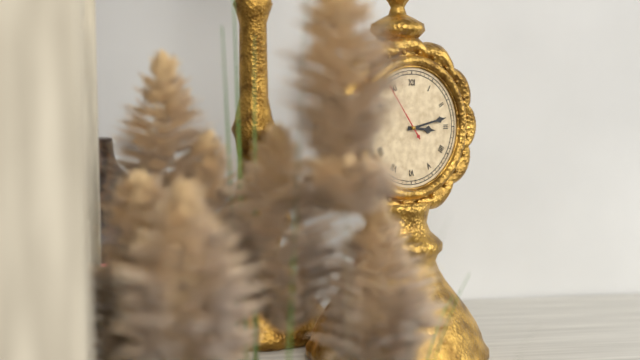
3:13:54
